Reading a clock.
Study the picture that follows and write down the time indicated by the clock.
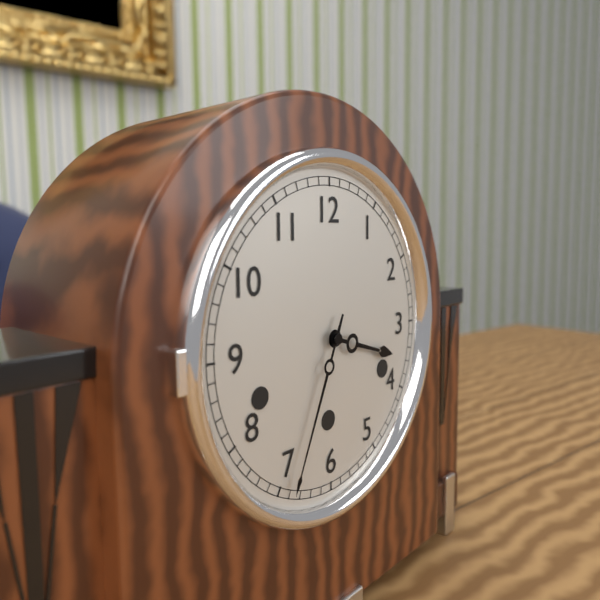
3:34
